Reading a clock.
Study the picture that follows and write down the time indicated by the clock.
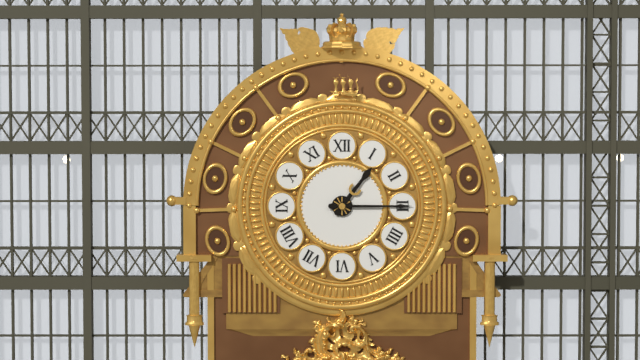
1:15
